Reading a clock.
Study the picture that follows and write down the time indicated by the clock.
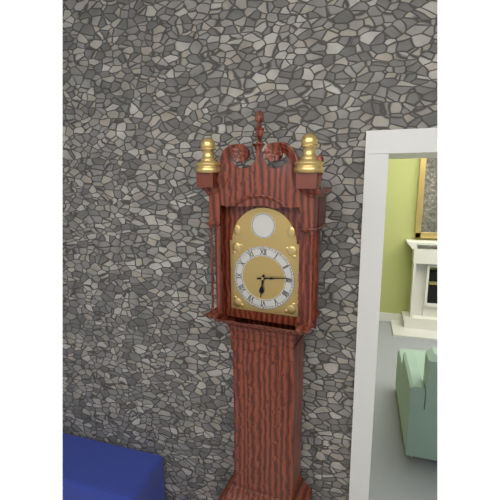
6:14
